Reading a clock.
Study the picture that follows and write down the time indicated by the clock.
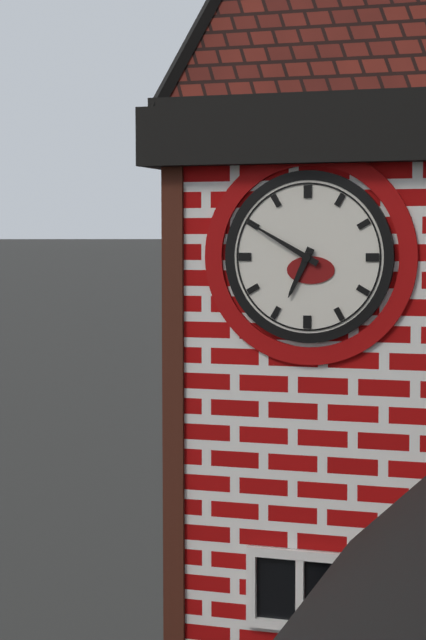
6:50
